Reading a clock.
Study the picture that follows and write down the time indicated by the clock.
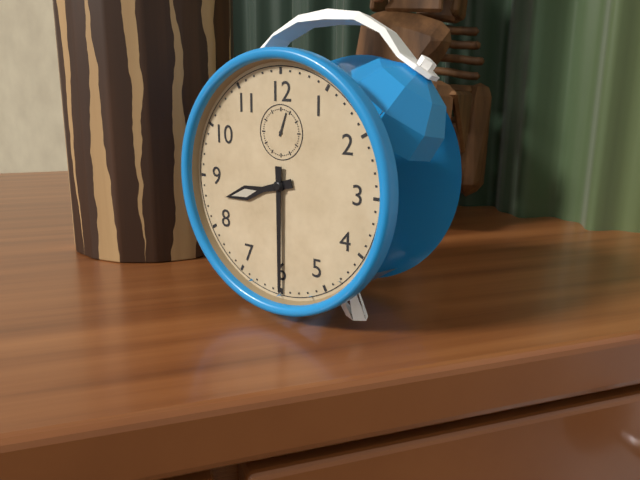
8:30
